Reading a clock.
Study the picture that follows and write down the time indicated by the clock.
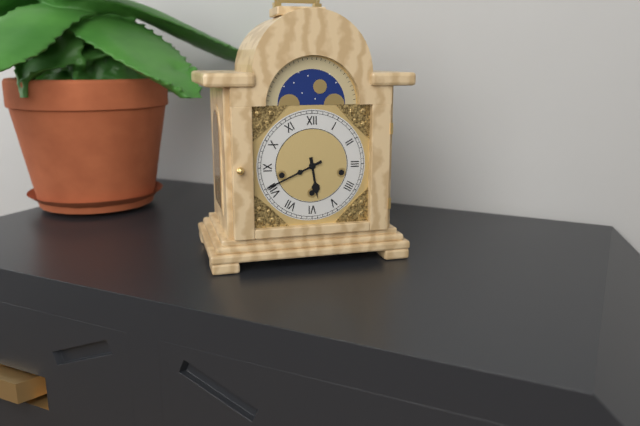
5:41
